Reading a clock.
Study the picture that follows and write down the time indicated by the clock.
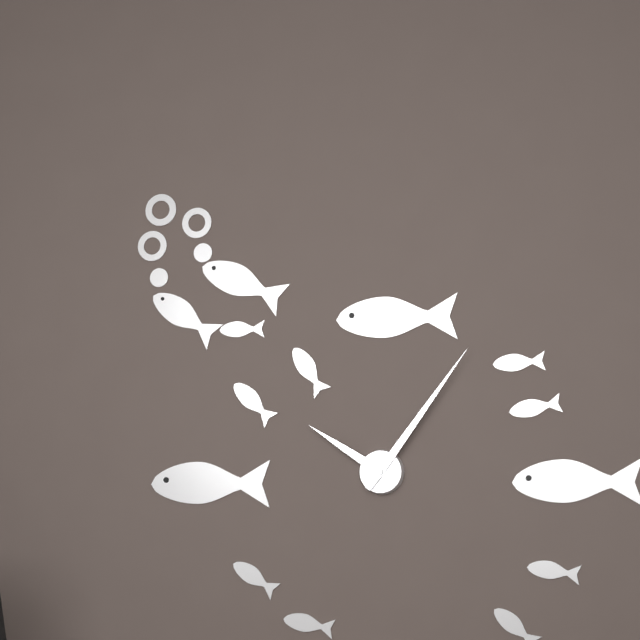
10:06
